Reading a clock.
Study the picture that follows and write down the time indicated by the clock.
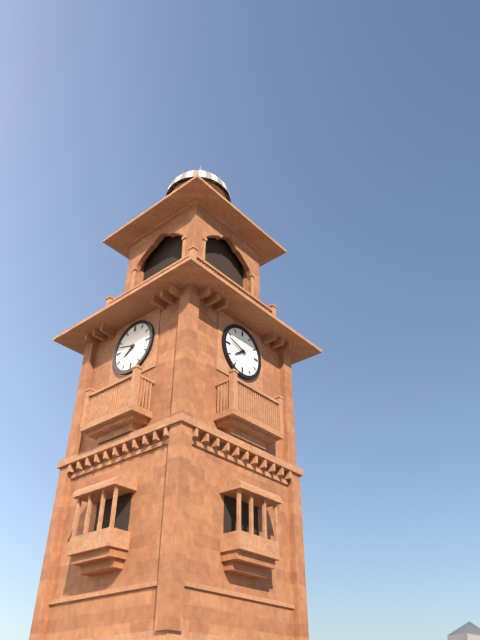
7:48
